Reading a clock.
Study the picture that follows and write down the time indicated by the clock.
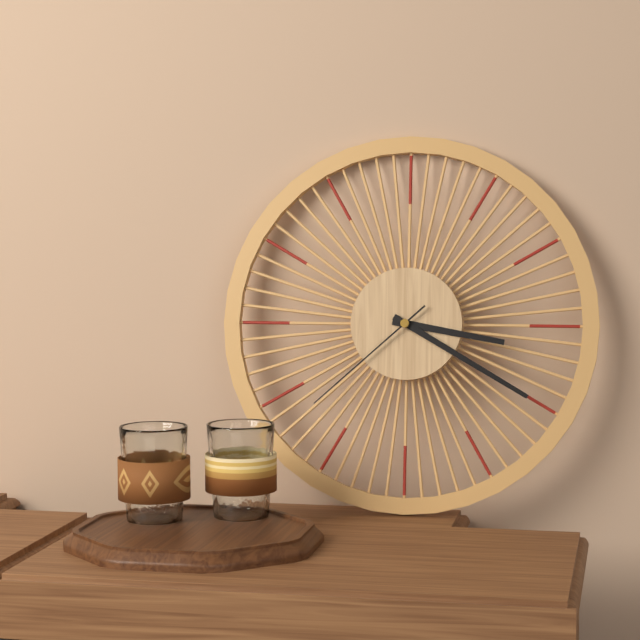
3:20:38
